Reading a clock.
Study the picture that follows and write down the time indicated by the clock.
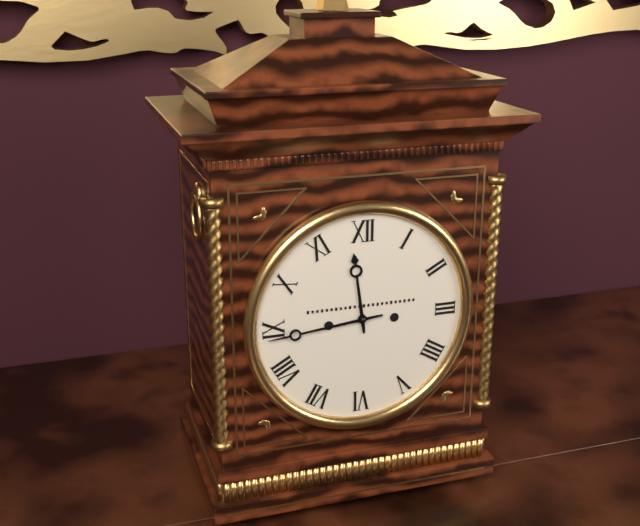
11:44
